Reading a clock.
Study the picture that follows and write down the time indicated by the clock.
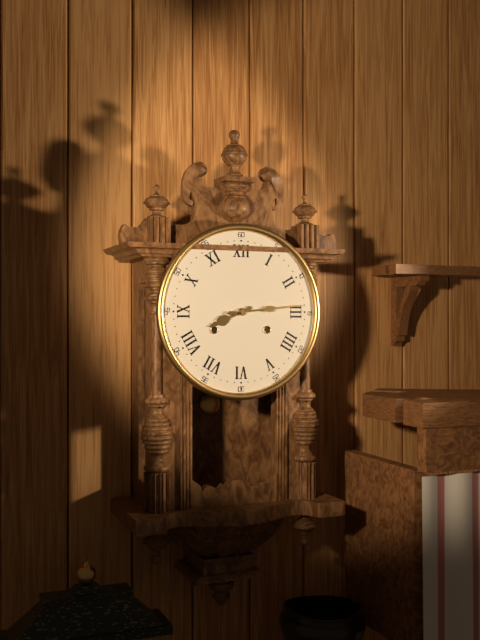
8:14
